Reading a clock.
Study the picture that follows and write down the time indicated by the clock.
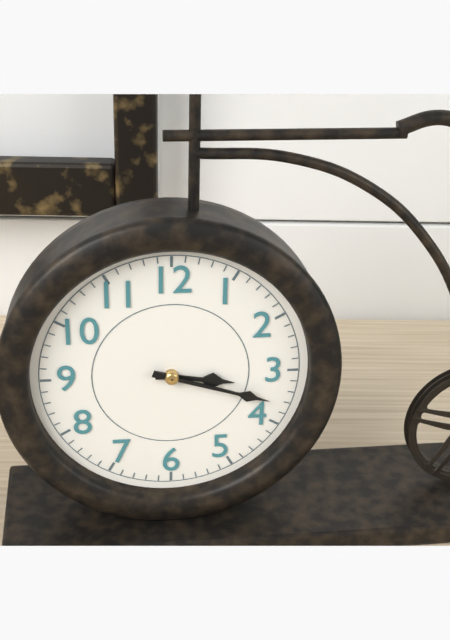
3:18
